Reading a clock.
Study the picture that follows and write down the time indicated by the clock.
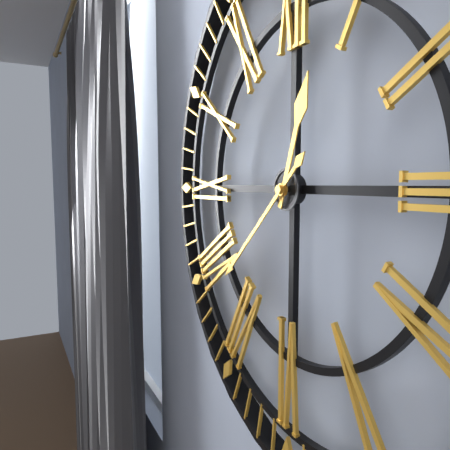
12:38
